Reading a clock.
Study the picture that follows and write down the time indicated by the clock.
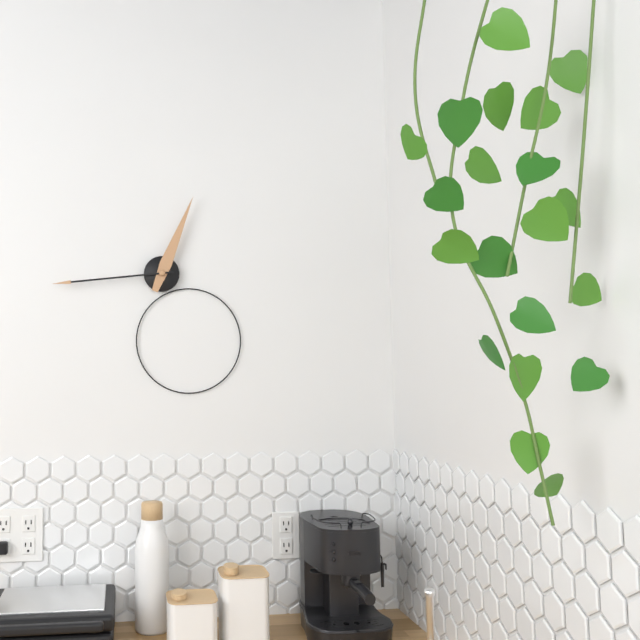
12:44
